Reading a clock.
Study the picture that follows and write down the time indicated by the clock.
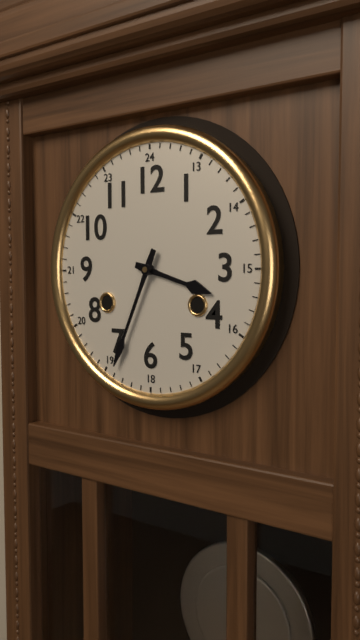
3:34
